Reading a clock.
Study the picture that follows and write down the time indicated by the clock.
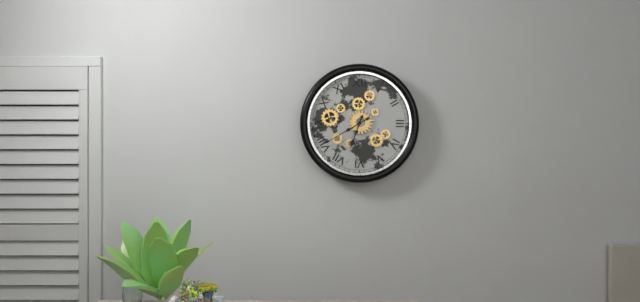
6:40
